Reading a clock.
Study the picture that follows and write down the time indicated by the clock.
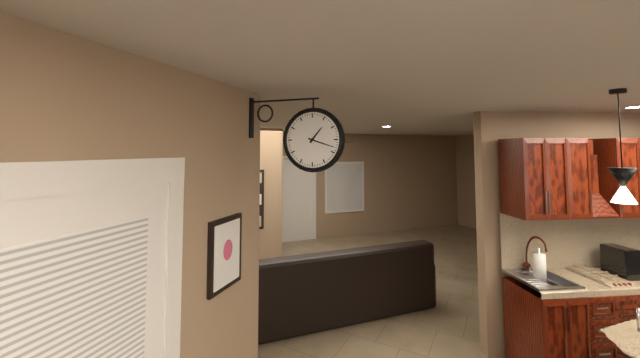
1:18
